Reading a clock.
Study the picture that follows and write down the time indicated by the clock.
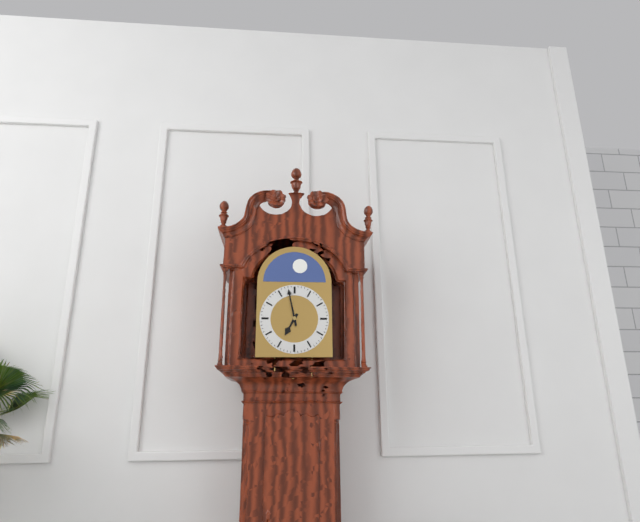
6:58
